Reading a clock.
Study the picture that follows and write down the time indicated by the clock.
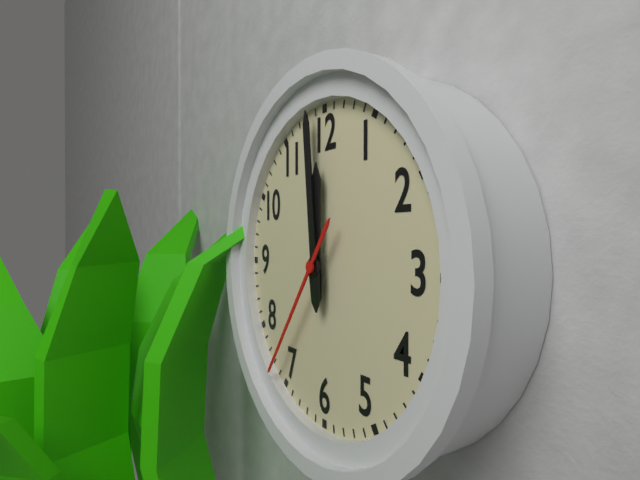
11:59:36
